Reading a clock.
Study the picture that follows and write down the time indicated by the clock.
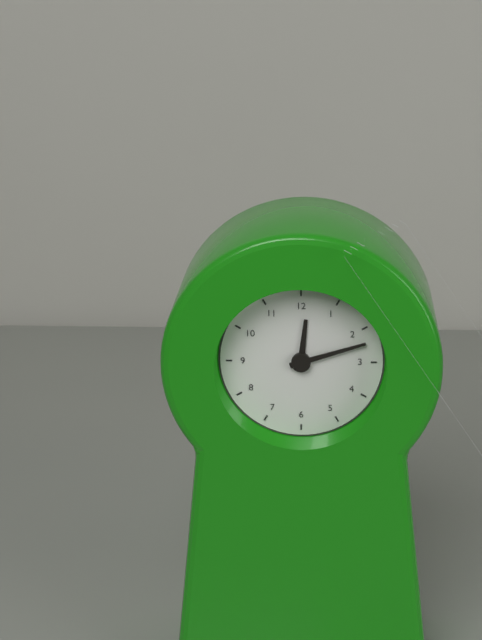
12:12
